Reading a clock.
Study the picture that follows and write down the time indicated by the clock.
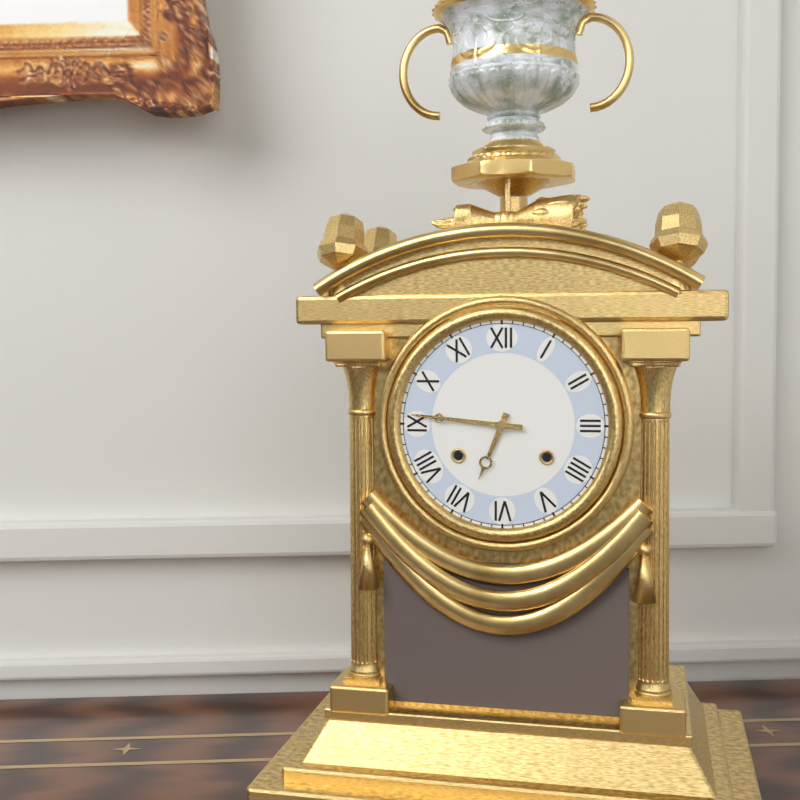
6:46
